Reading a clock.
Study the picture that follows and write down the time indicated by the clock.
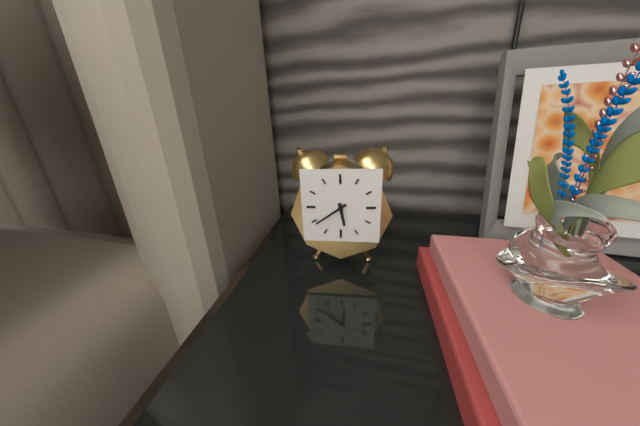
5:39
